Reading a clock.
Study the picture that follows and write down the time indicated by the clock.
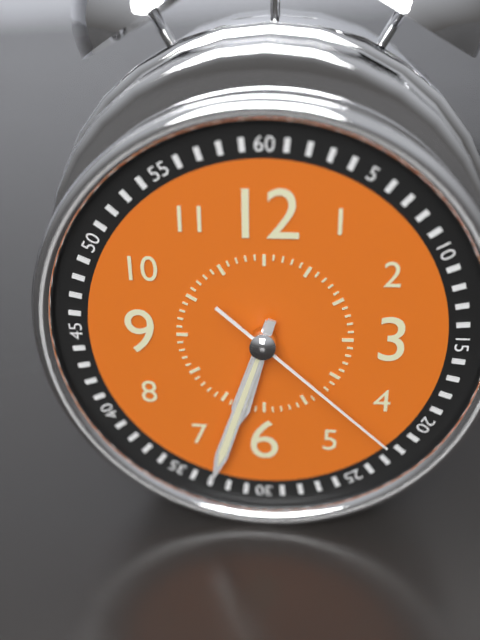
6:33:22
